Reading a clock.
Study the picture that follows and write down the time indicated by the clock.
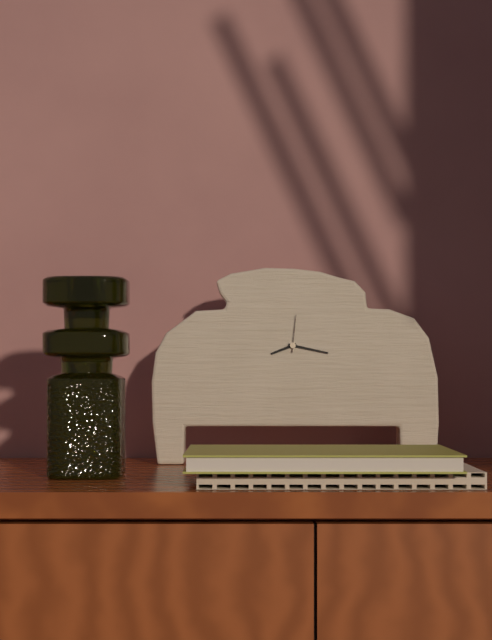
8:17
